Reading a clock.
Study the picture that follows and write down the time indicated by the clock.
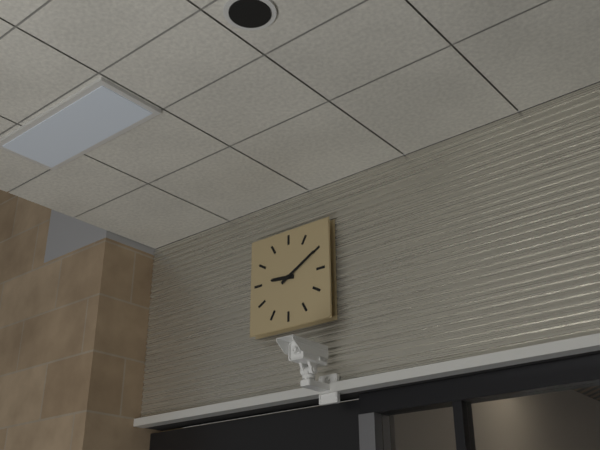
9:10
